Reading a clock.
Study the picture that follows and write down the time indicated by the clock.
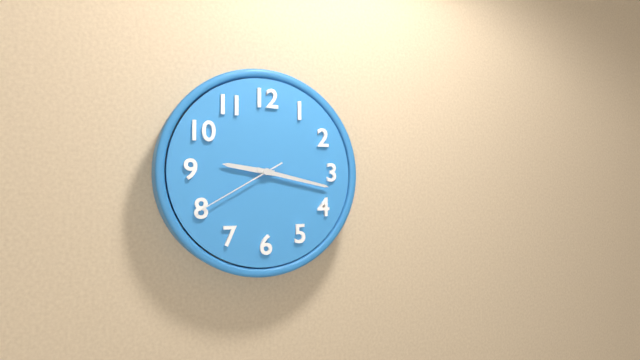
9:17:40
